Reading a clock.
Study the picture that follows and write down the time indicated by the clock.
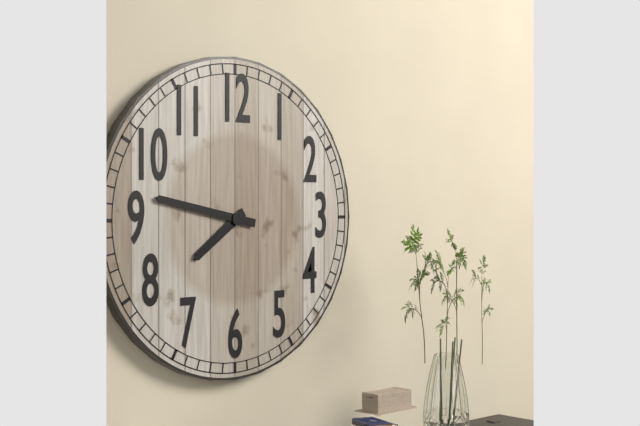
7:47
